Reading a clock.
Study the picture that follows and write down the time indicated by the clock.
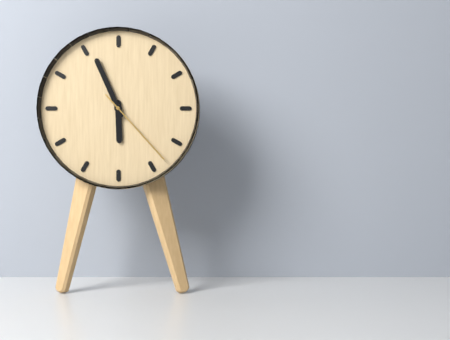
5:56:23
